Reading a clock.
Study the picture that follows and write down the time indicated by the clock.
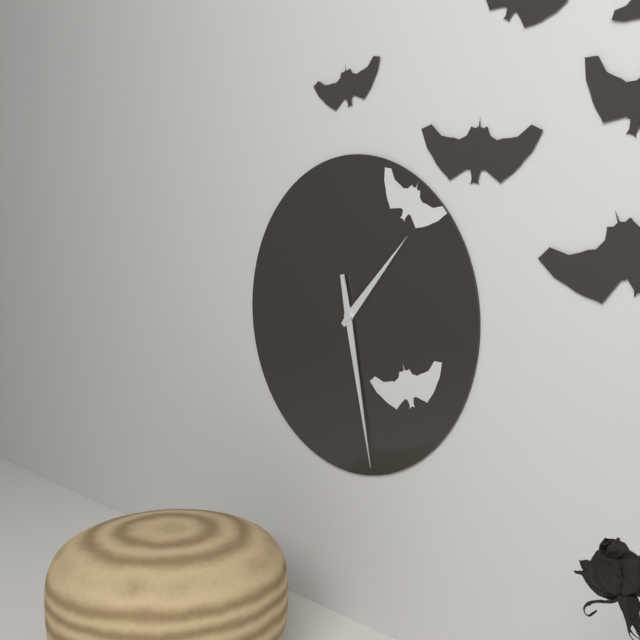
1:28
